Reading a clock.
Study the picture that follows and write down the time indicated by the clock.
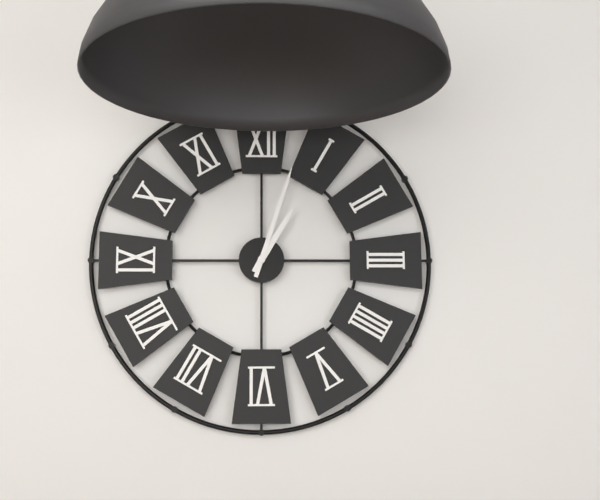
1:03
